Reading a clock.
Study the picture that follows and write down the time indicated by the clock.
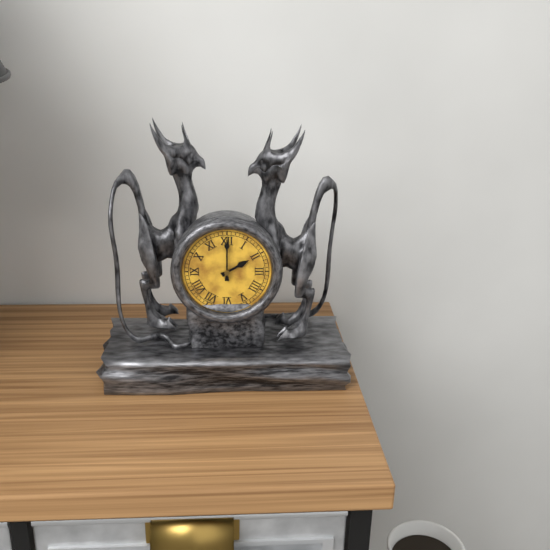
2:00
